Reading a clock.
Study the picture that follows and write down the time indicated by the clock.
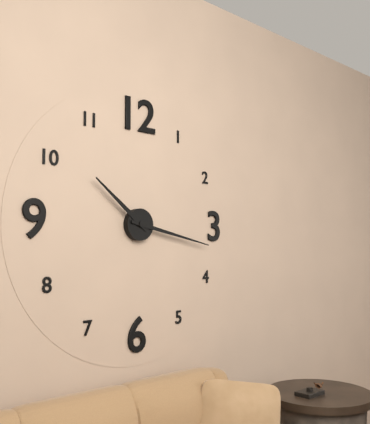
10:17
